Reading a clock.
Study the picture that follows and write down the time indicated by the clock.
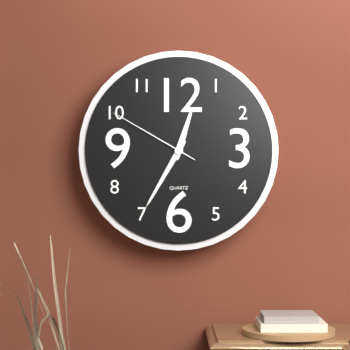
12:35:50
